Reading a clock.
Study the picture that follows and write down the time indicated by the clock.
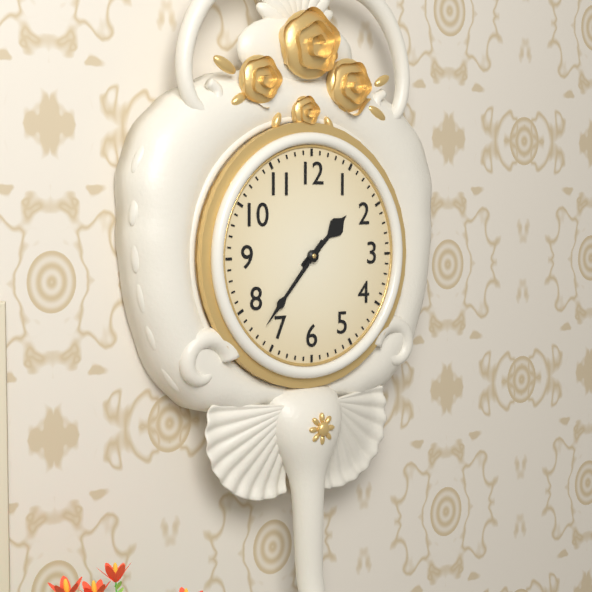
1:37
